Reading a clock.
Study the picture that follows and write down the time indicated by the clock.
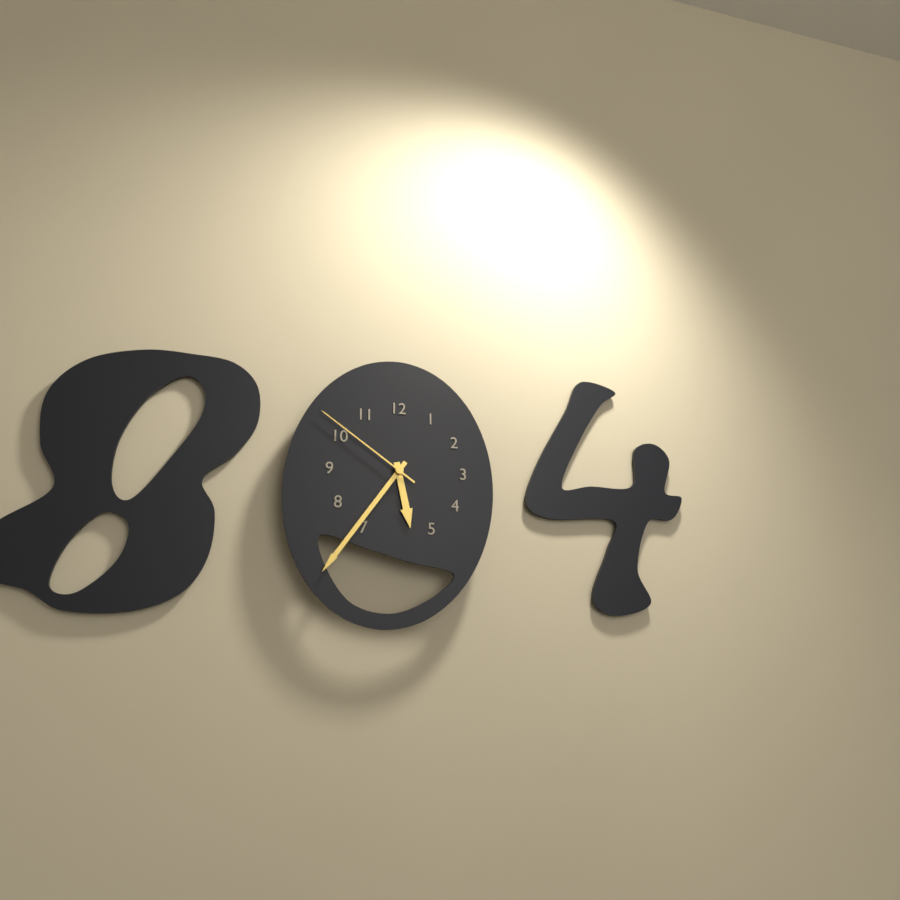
5:36:51
